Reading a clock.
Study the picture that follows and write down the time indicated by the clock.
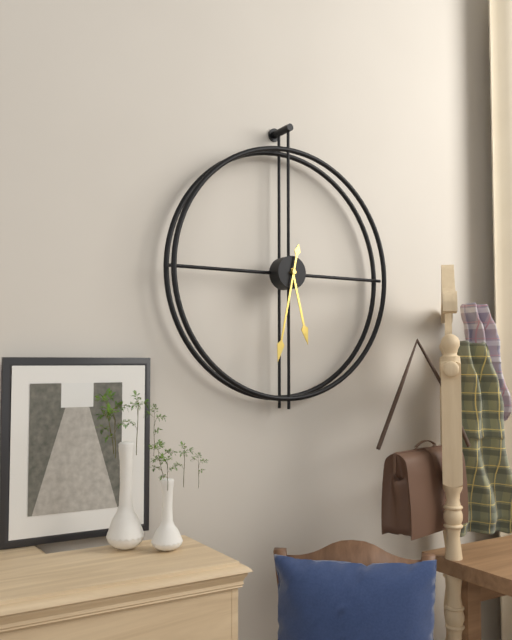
5:32
